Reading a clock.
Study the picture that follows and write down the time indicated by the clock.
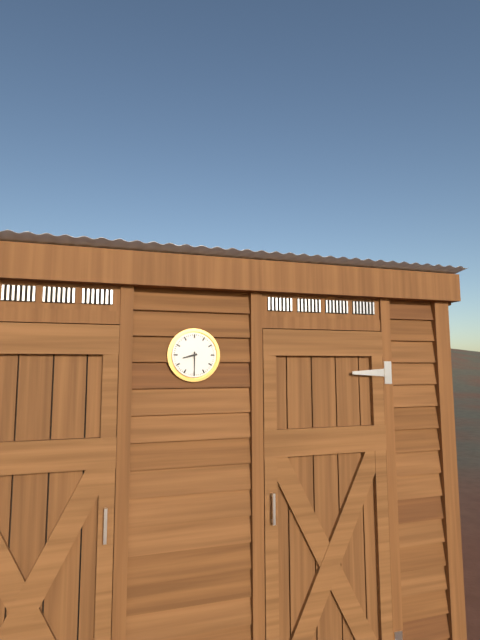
8:30
